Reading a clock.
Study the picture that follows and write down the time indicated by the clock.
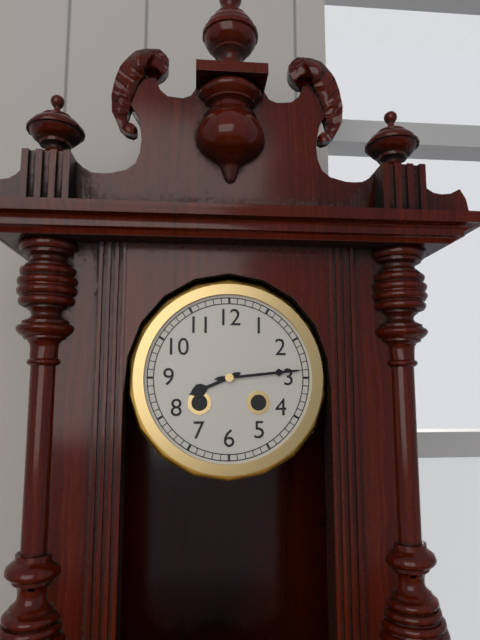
8:14
